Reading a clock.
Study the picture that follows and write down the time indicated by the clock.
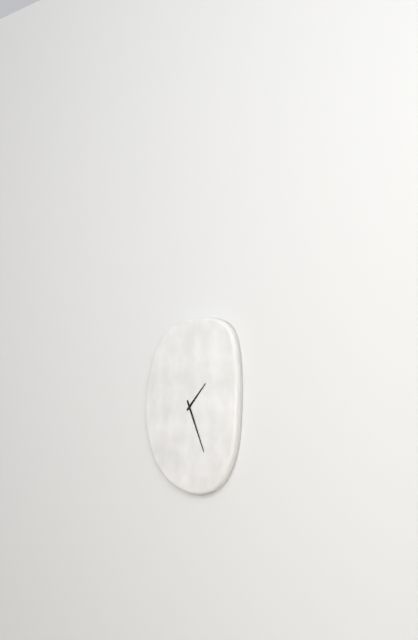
1:26
